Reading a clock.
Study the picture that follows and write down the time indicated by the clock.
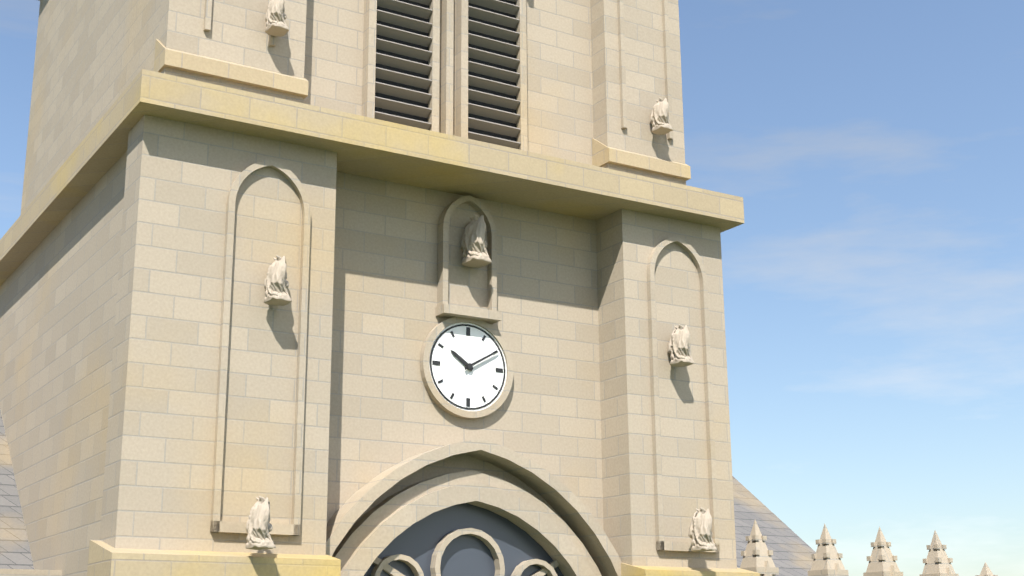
10:10
